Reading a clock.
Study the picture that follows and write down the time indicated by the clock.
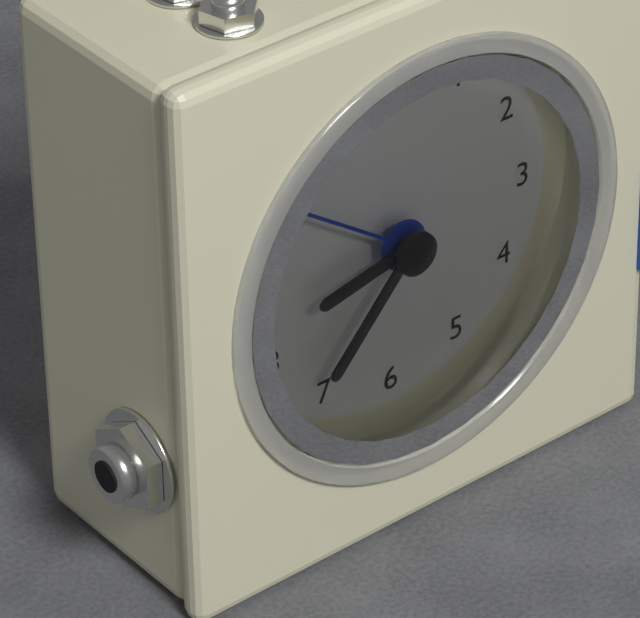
8:37:51
